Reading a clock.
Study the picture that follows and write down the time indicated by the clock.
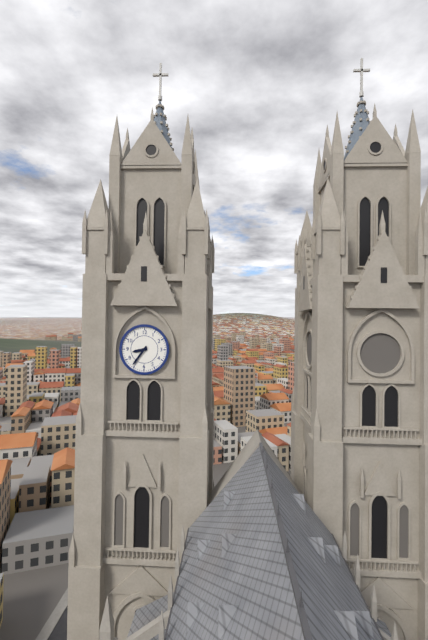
8:36
